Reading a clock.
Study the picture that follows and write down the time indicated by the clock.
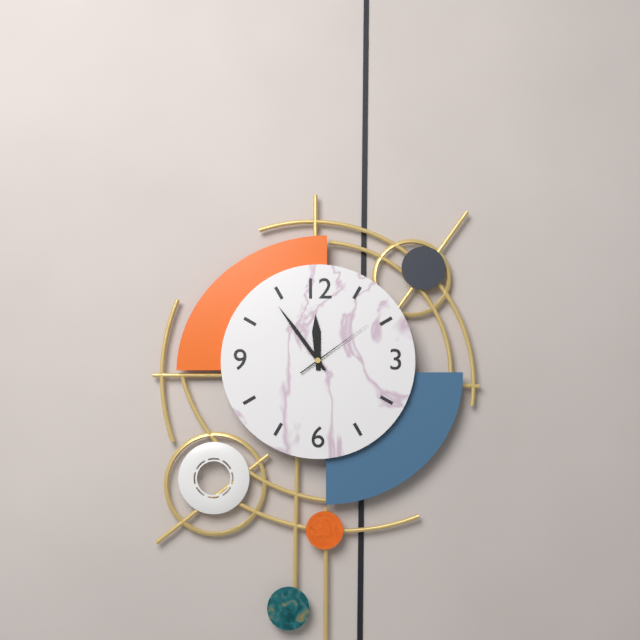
11:54:09
